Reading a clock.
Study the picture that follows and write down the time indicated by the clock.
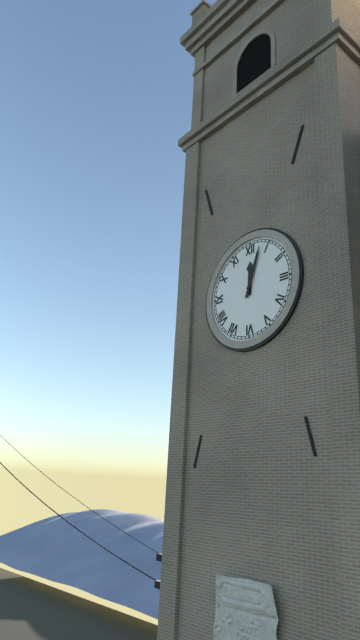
12:03
